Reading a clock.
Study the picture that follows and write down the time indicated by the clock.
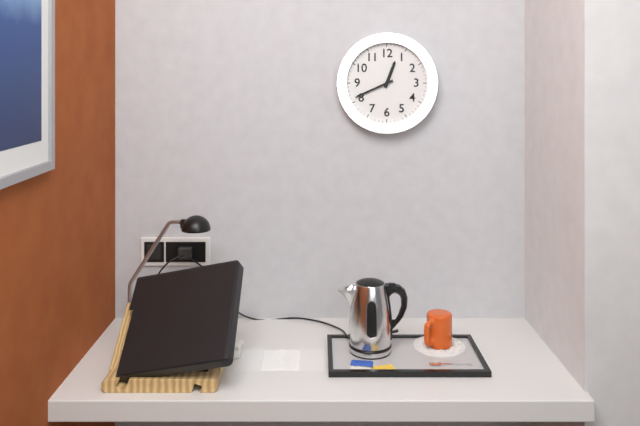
12:41
